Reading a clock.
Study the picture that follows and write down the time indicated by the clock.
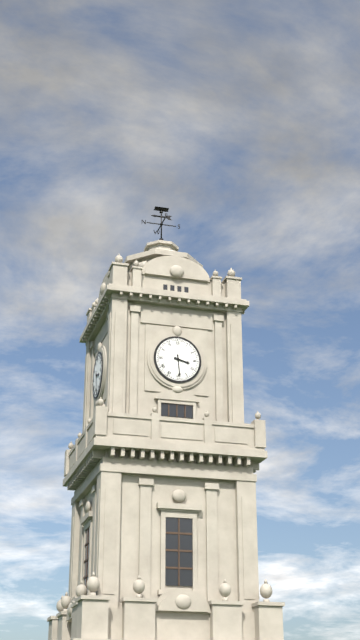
3:29
